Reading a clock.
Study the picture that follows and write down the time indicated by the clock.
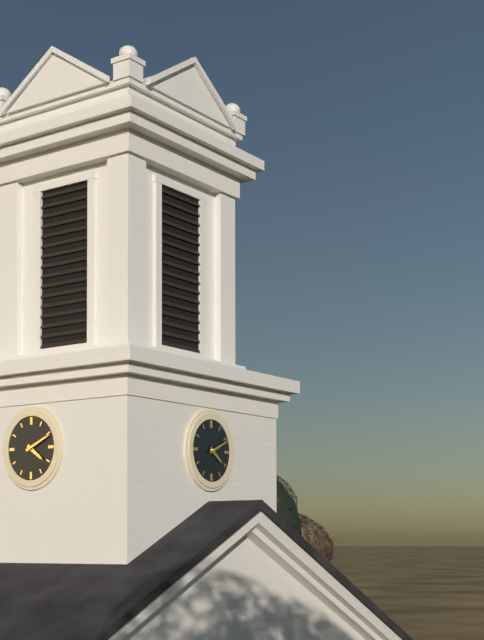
4:11
